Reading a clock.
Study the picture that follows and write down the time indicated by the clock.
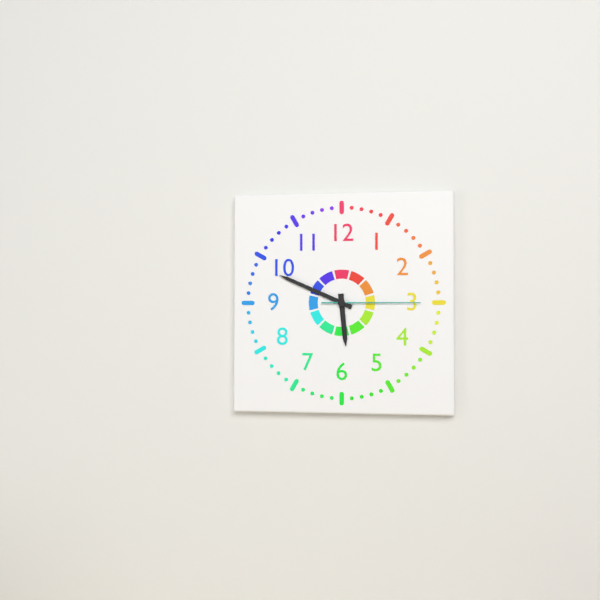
5:49:15
